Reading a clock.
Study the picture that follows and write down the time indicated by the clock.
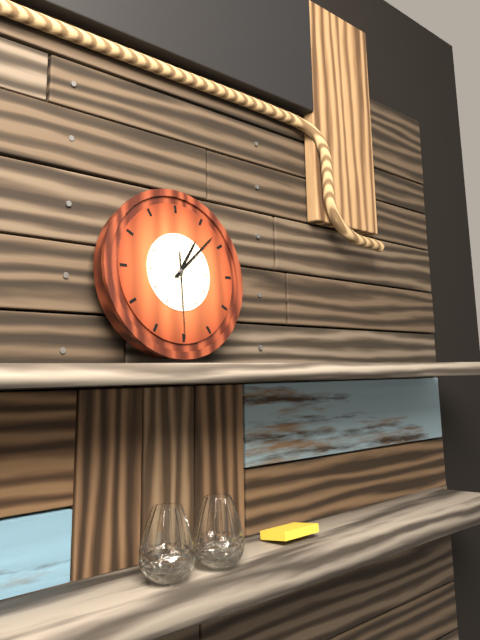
1:08:30
